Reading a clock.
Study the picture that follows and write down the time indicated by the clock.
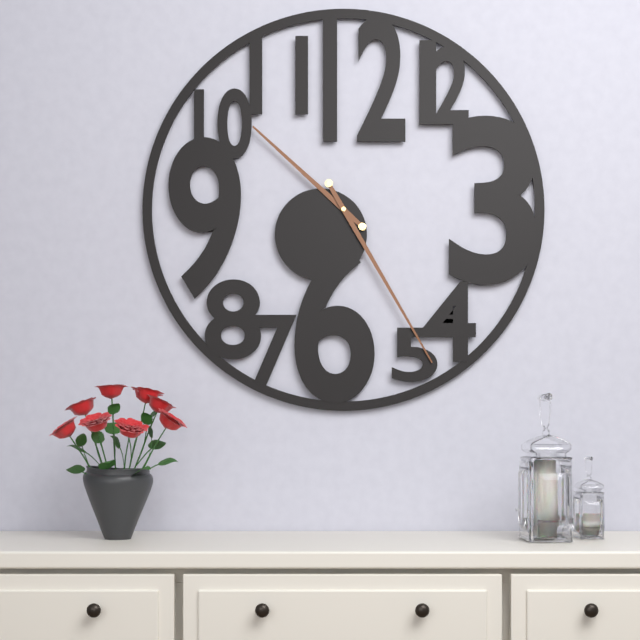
10:25
